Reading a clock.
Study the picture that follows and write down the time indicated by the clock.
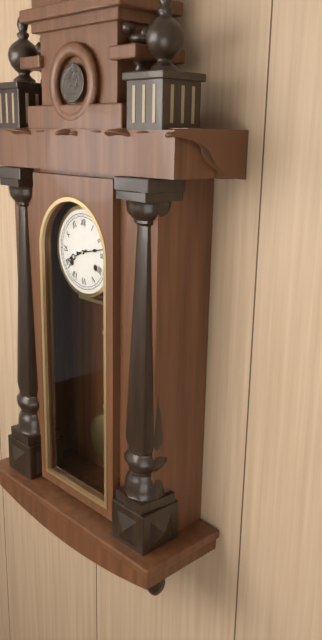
8:13
